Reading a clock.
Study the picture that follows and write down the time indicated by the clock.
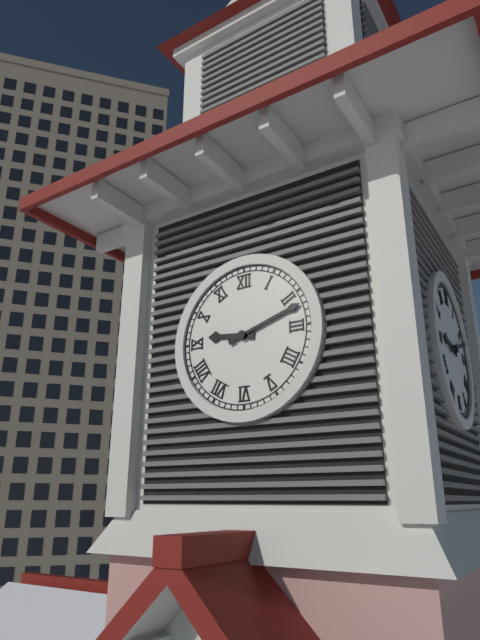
9:12
